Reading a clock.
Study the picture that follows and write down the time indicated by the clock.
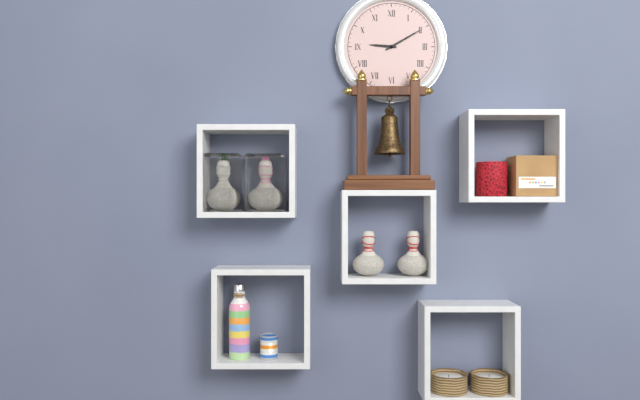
9:10
